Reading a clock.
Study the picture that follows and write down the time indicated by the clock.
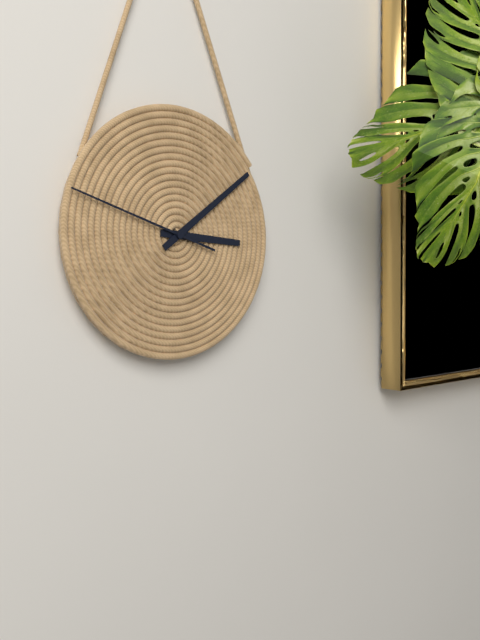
3:09:48
